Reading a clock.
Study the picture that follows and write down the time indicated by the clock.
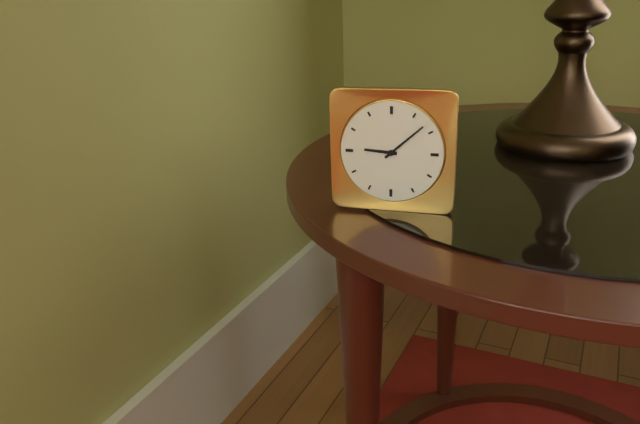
9:08
